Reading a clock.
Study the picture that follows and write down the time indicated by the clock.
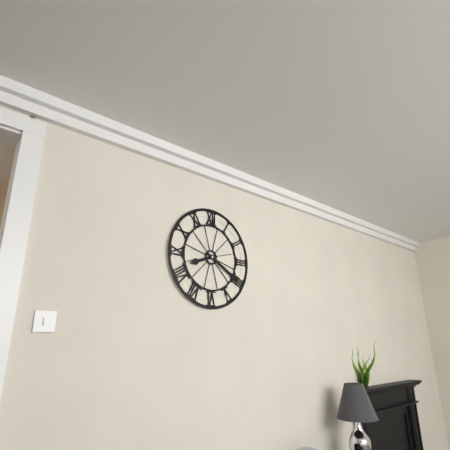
8:20
